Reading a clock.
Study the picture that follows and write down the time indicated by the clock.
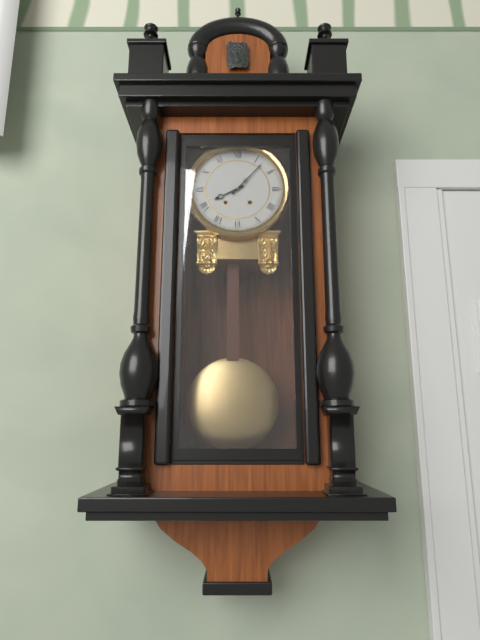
8:07
